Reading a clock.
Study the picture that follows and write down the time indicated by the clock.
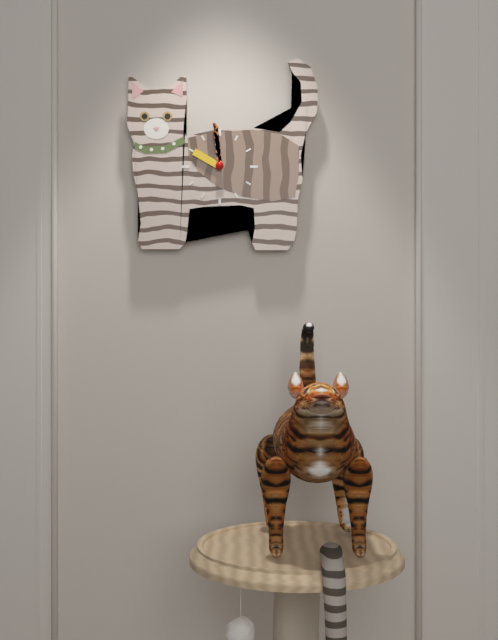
9:59
